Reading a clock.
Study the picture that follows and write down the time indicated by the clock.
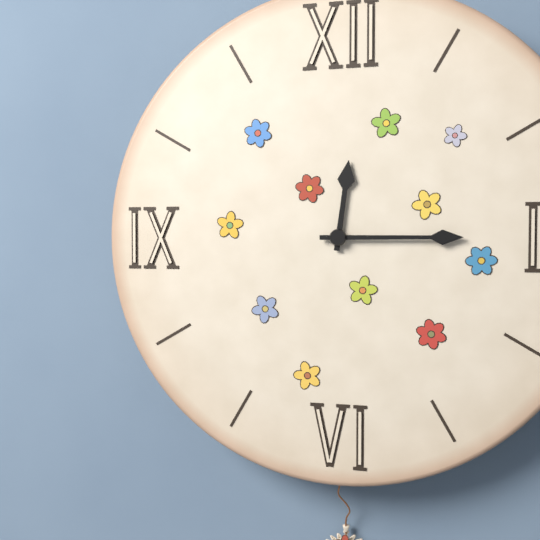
12:15
